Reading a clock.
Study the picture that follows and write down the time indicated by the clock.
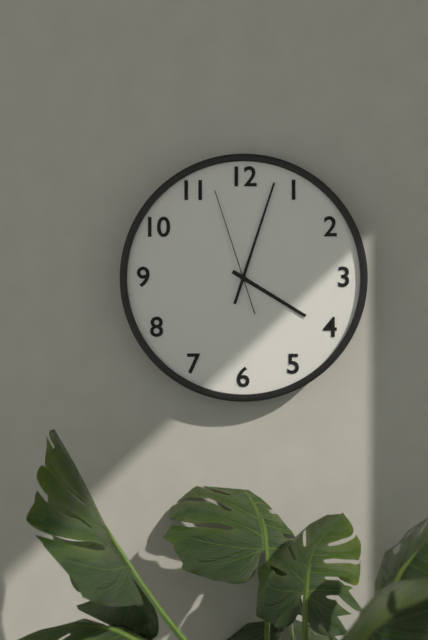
4:03:57
